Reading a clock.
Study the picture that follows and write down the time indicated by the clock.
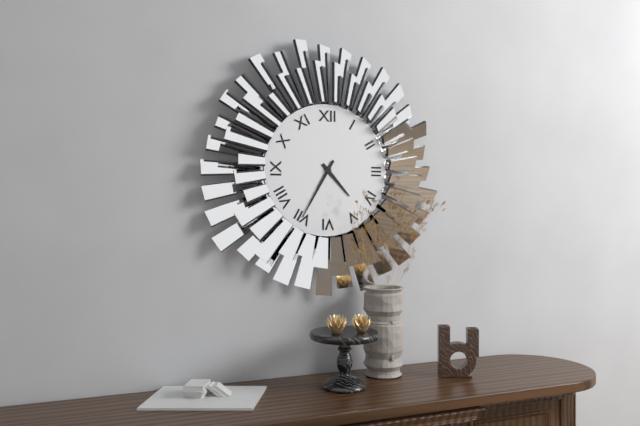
4:35
